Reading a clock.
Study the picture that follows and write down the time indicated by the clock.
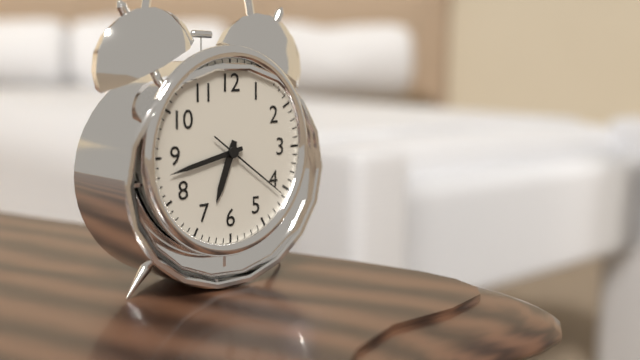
6:43:21
